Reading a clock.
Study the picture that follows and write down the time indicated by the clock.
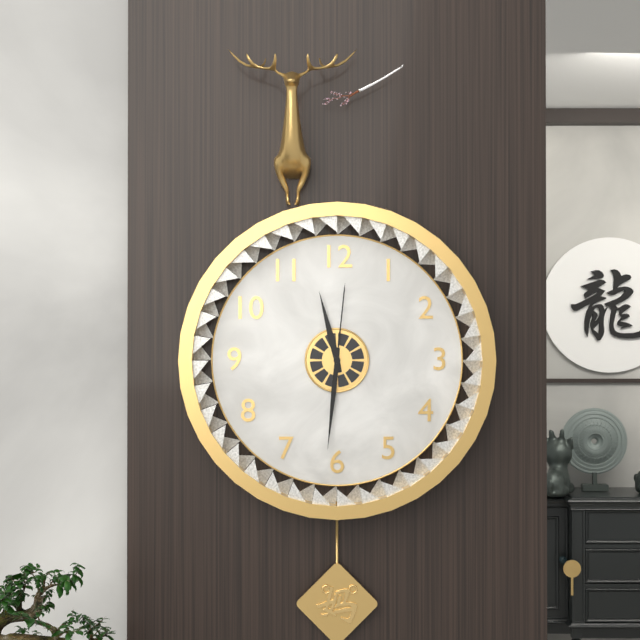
11:31:01
